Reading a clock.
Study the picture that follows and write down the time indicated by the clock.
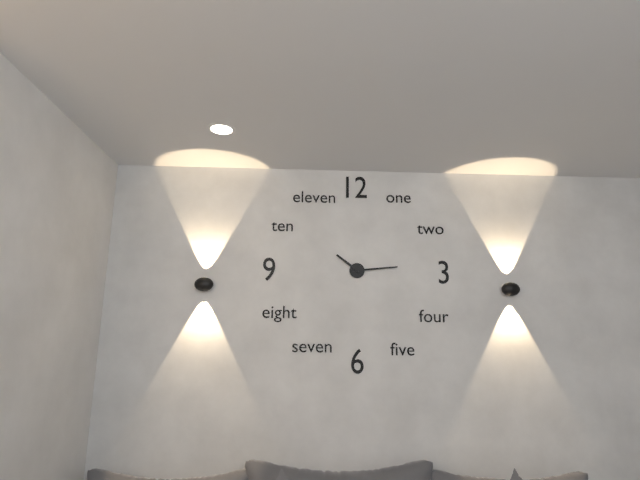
10:14
